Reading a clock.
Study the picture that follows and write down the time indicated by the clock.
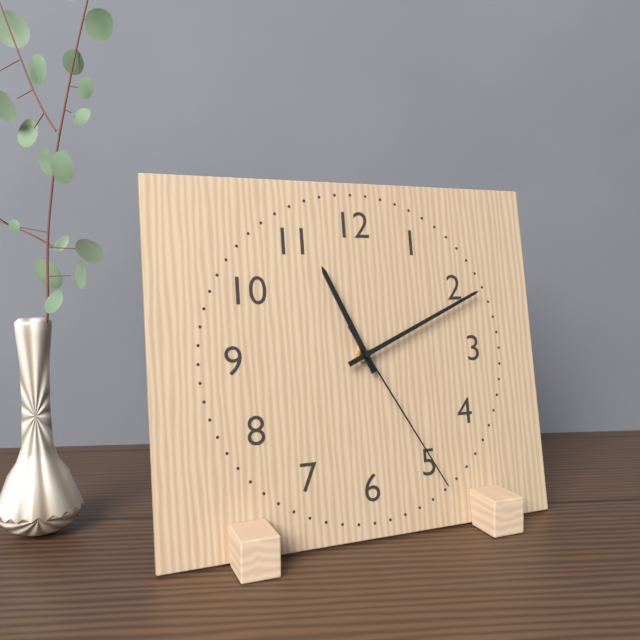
11:11:25
